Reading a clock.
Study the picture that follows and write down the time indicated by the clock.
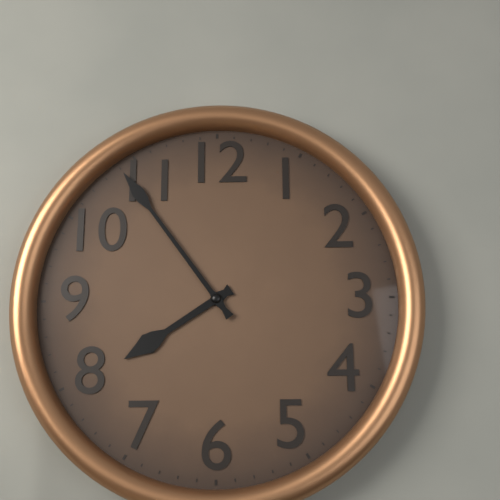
7:54
